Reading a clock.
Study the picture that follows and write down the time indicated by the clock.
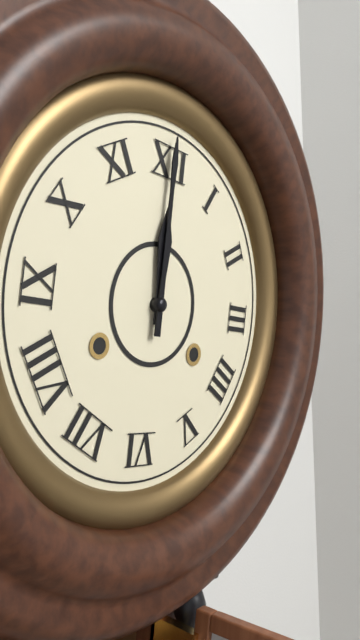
12:00
